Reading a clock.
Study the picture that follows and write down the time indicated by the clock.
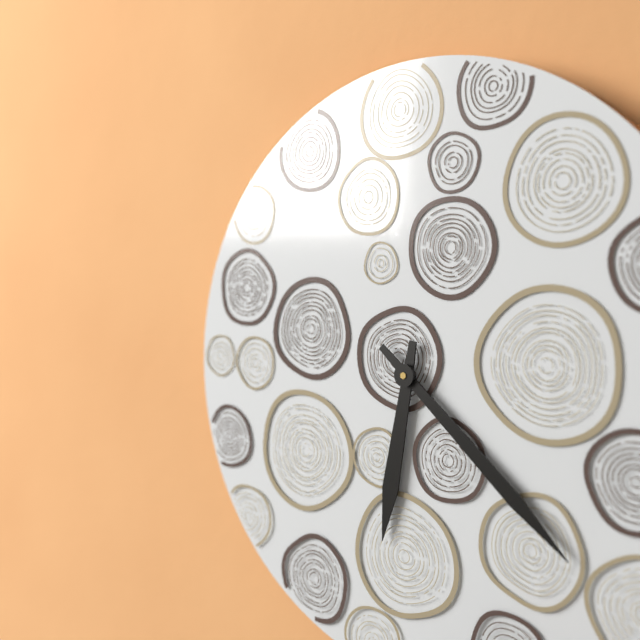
6:22
